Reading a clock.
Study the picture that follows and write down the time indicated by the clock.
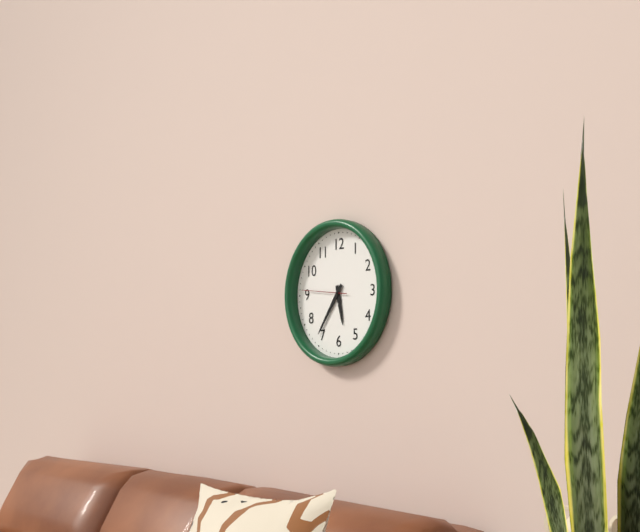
5:36
